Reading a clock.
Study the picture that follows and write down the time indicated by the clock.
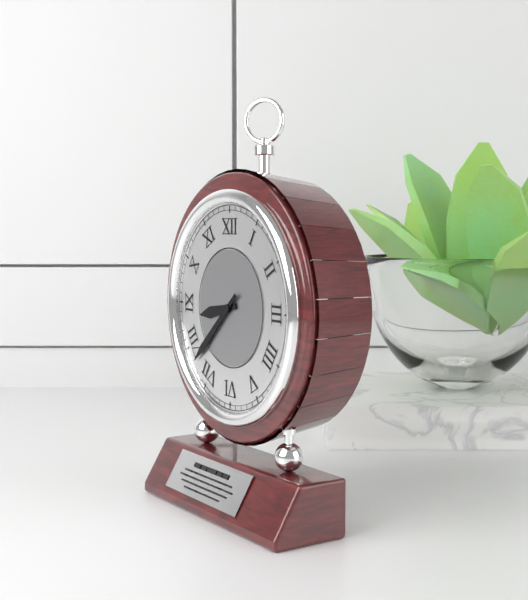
8:38
